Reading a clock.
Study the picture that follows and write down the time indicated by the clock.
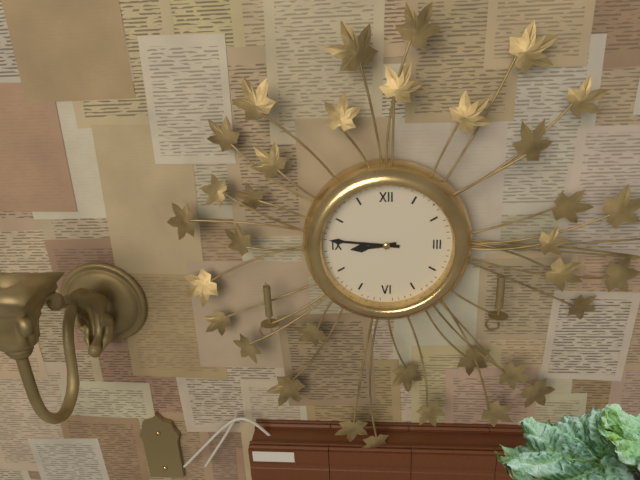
8:46
